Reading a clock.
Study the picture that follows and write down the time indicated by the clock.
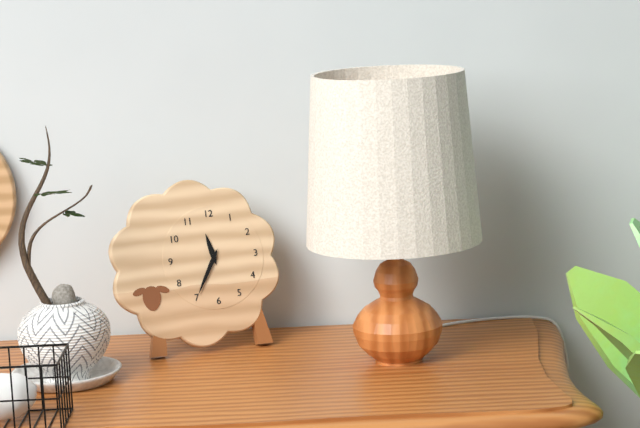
11:35
